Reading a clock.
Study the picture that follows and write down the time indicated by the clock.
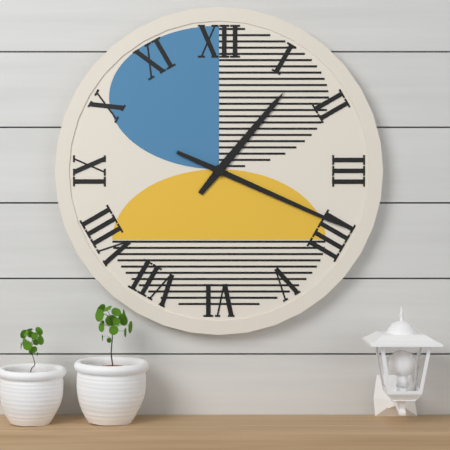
1:19
